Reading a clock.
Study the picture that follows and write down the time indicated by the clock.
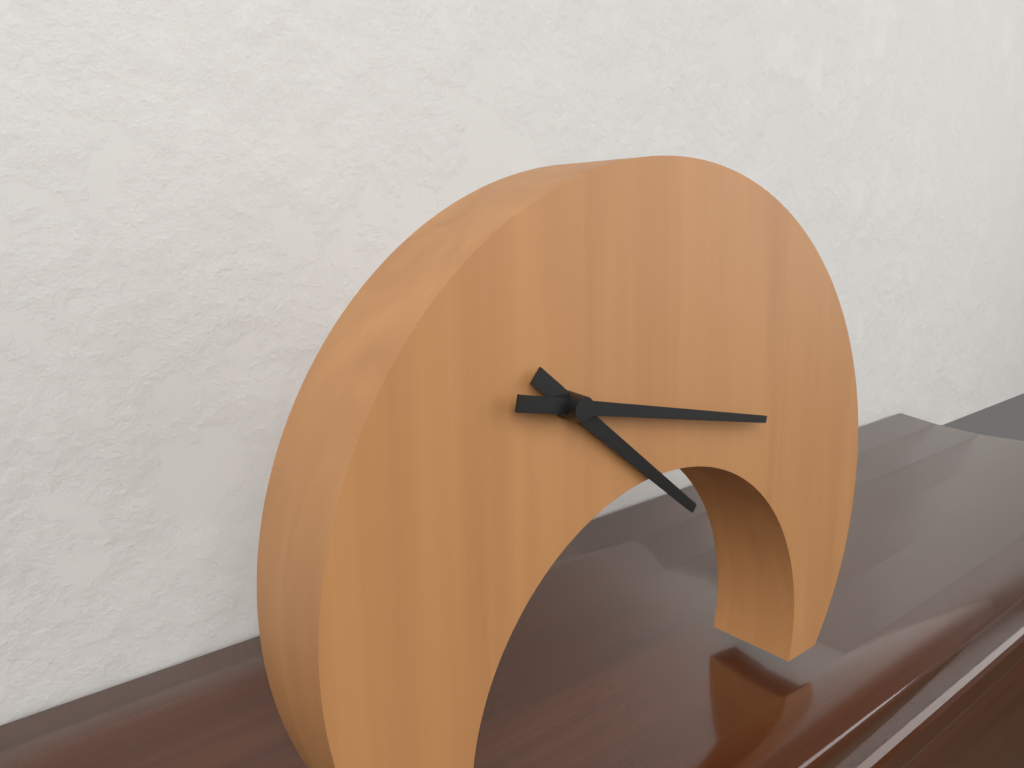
4:17
